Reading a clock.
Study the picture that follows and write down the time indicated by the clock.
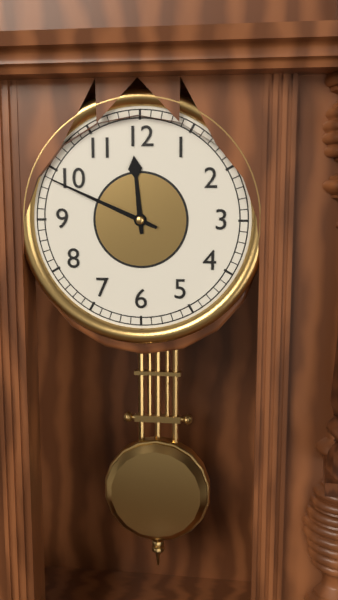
11:49
